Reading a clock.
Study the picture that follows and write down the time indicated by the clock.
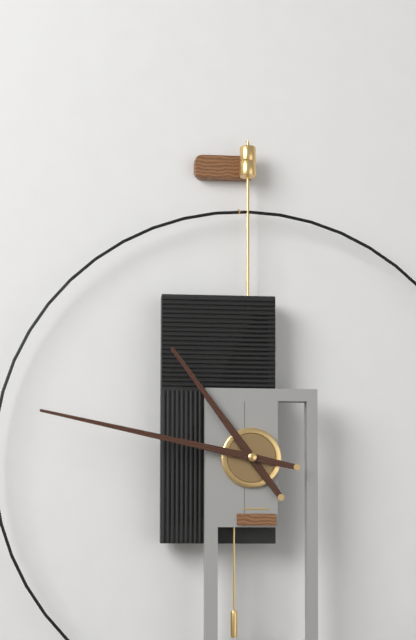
10:47
